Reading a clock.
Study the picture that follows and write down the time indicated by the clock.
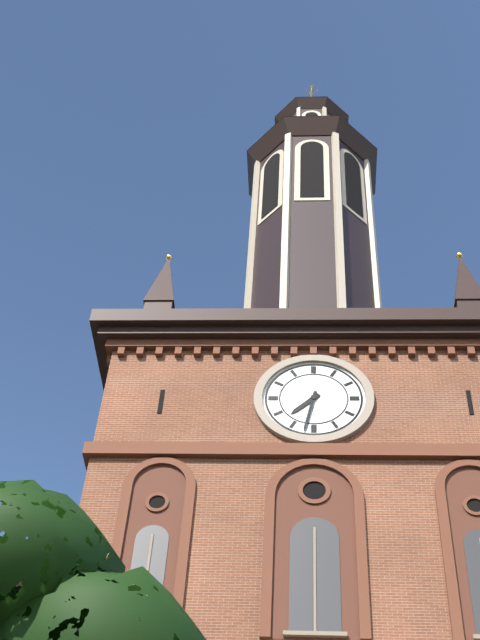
7:32
